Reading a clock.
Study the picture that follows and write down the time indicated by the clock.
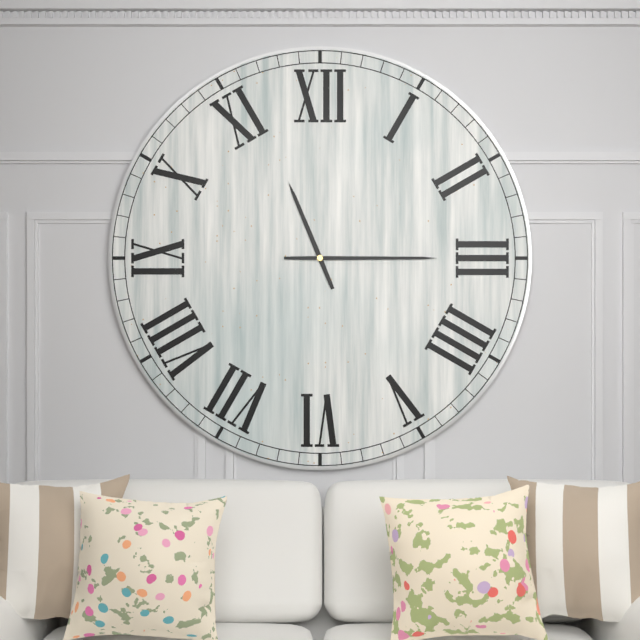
11:15
